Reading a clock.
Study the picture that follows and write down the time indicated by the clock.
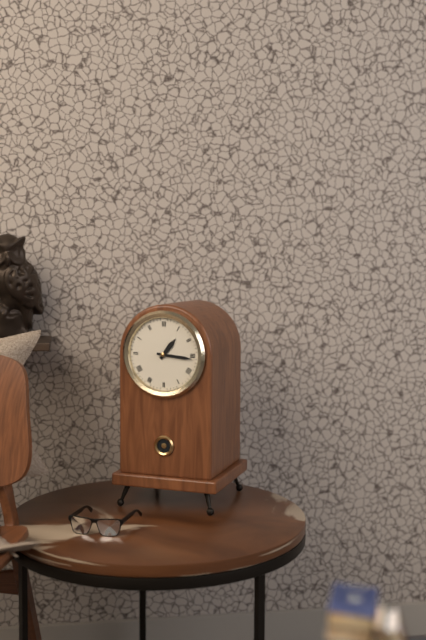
1:16
